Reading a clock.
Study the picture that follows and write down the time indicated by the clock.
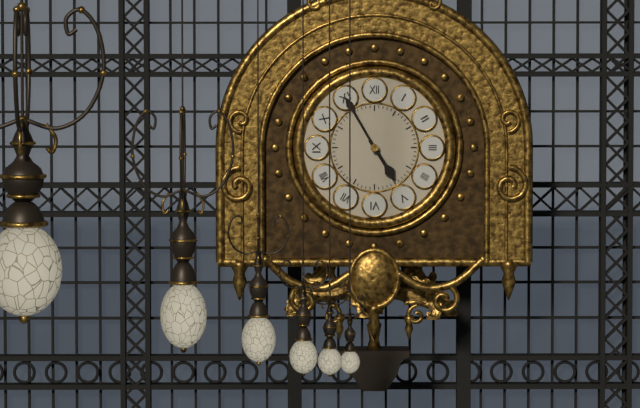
4:55
